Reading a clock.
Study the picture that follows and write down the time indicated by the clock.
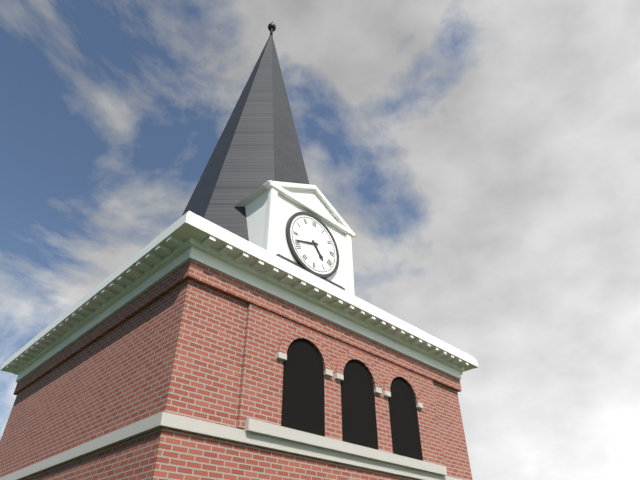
4:42
